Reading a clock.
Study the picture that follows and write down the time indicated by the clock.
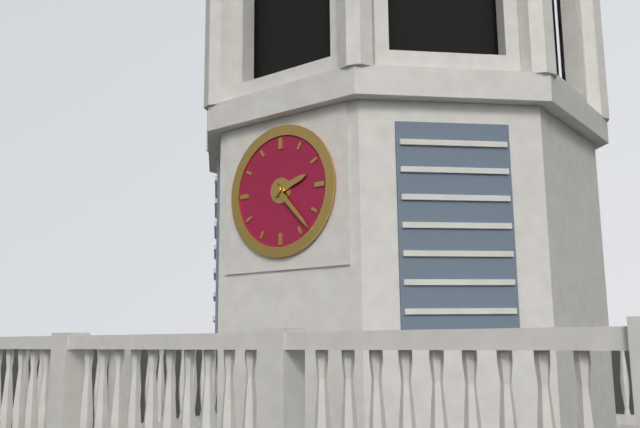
2:23
